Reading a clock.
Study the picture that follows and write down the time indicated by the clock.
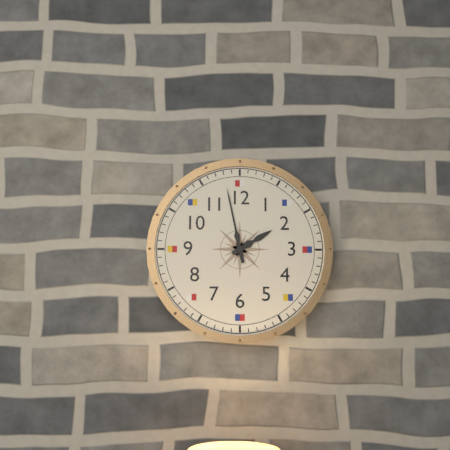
1:58
